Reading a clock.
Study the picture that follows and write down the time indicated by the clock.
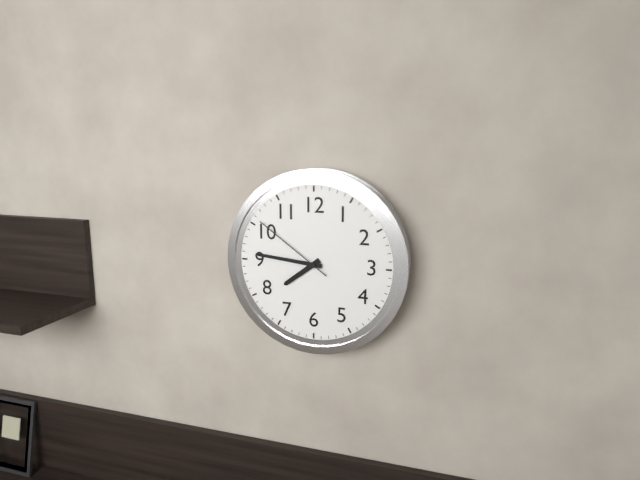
7:46:51
